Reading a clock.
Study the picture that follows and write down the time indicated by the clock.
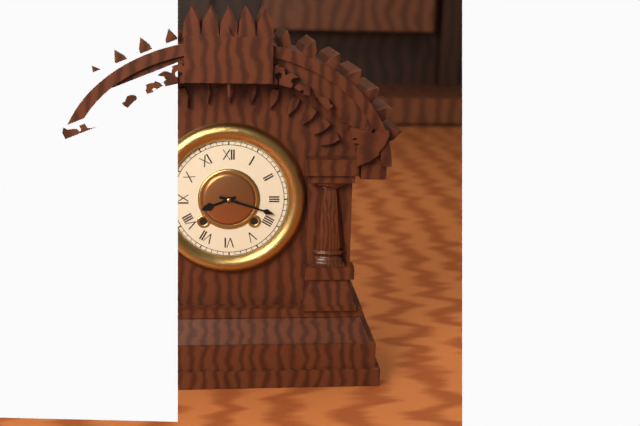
8:18
